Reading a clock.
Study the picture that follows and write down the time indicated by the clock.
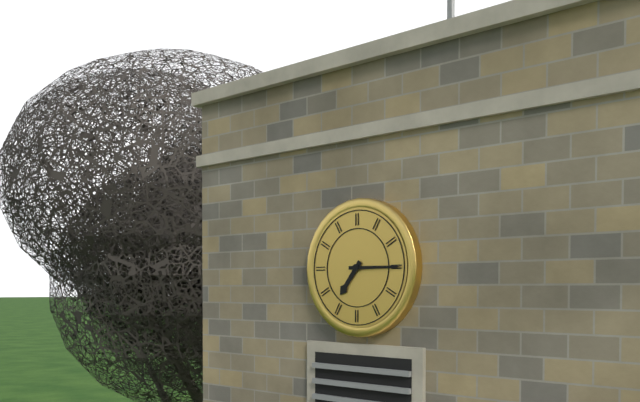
7:15
